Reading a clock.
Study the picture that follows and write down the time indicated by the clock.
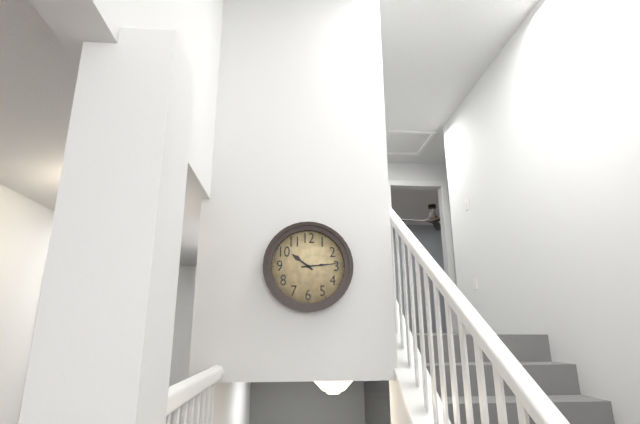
10:14
